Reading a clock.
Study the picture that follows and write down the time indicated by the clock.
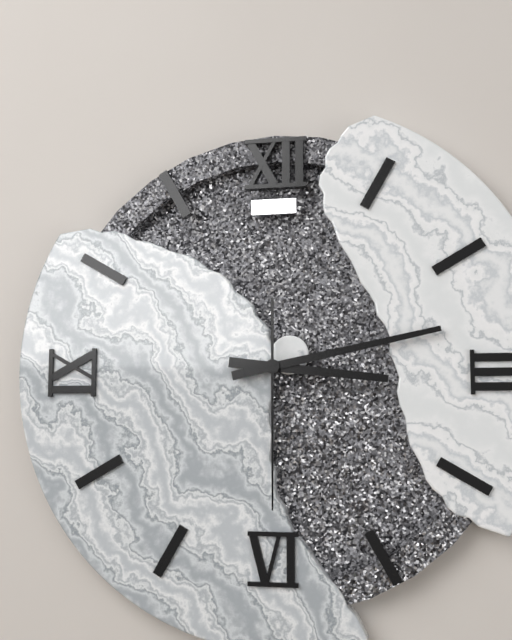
3:13:30
